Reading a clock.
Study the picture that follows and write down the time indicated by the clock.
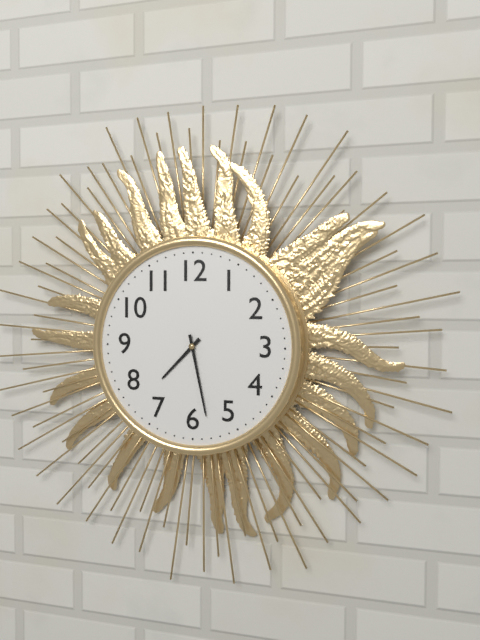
7:28
